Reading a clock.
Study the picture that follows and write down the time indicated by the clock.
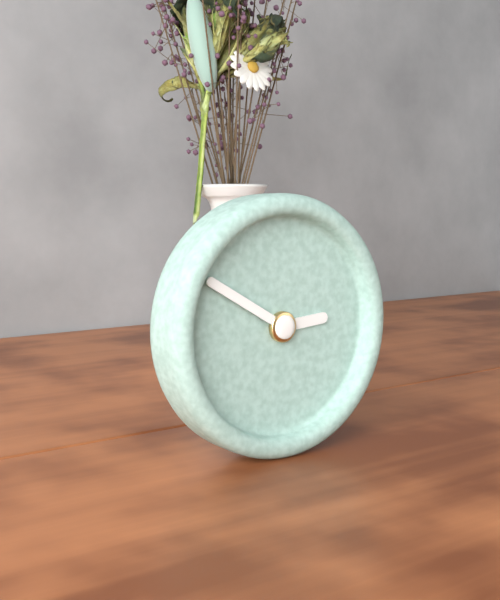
2:50
